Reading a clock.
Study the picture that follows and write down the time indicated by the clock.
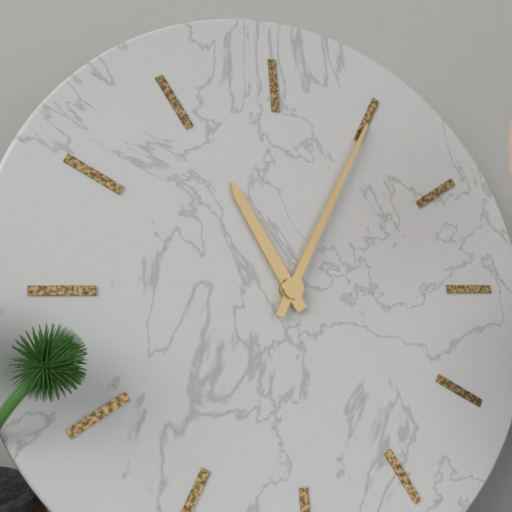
11:05
